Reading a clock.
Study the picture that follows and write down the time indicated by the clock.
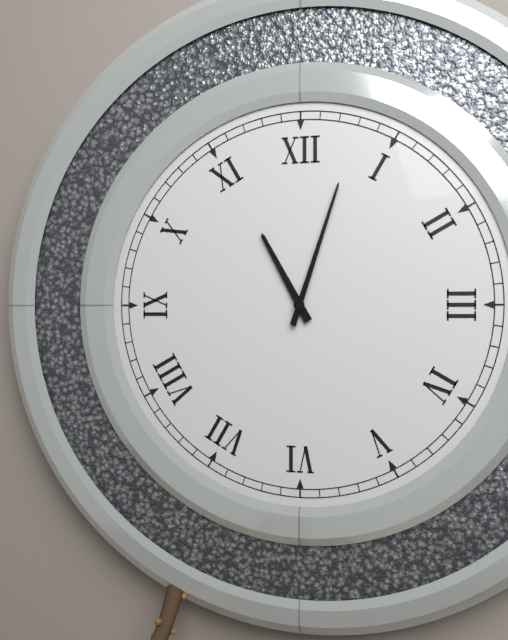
11:03
